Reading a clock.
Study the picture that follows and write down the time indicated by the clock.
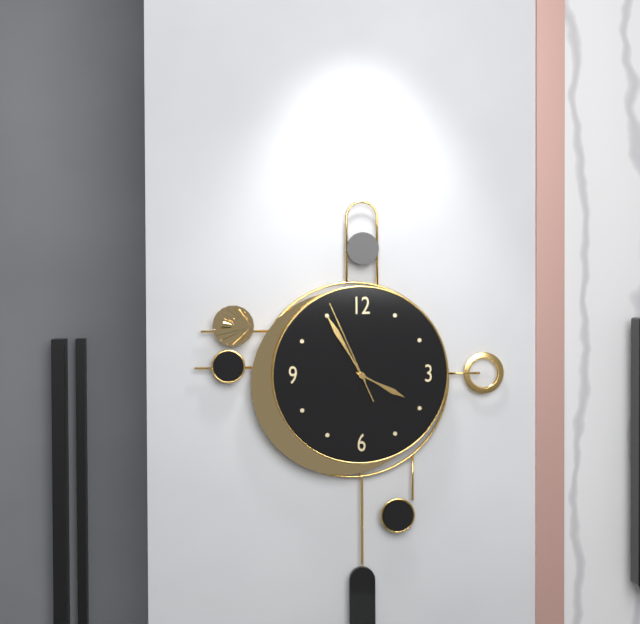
3:55:56
